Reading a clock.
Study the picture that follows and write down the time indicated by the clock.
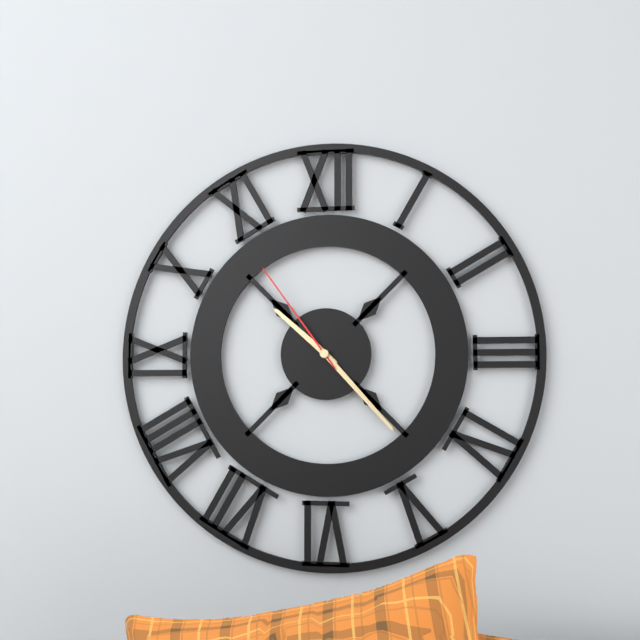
10:23:54
